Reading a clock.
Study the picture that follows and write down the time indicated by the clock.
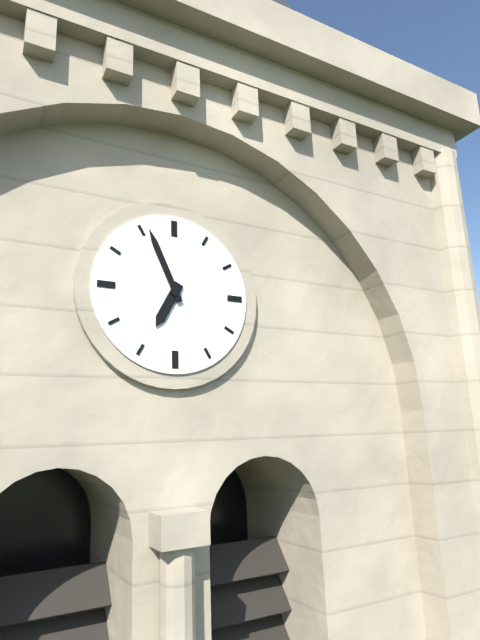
6:56
